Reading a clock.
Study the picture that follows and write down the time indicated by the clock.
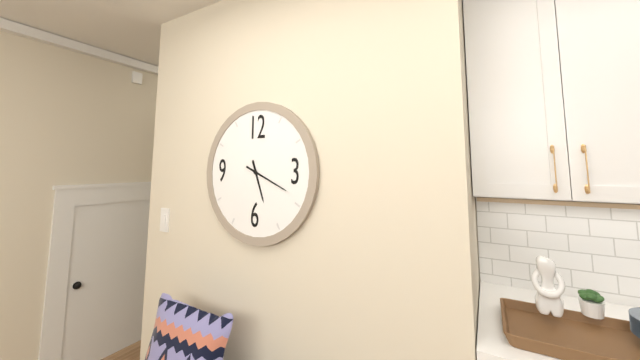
5:19
